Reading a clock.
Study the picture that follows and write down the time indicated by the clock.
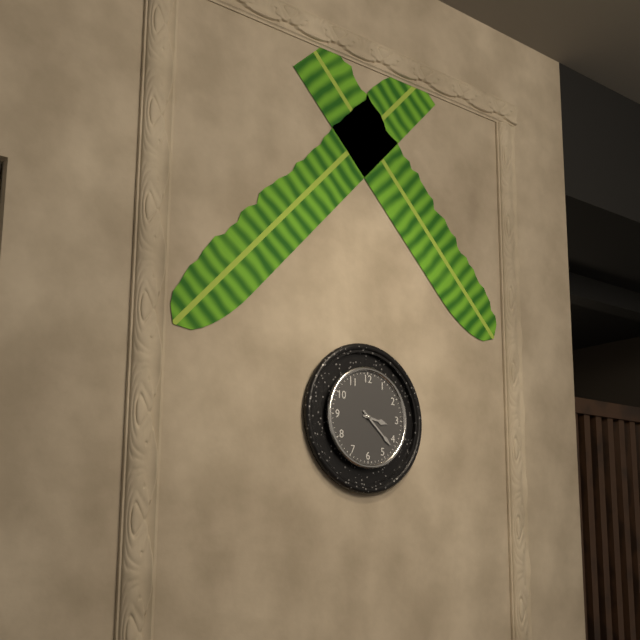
3:22
